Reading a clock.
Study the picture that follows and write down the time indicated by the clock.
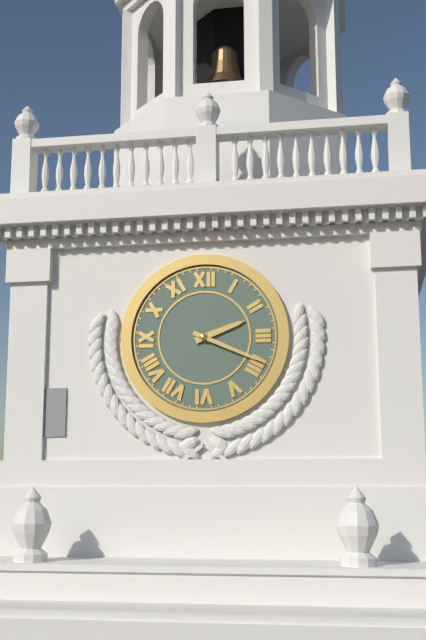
2:19
